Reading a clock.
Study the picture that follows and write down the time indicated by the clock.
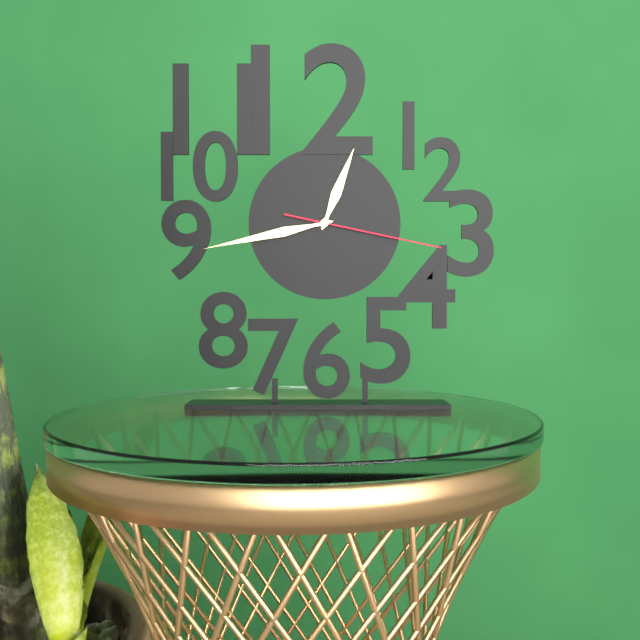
12:43:17
